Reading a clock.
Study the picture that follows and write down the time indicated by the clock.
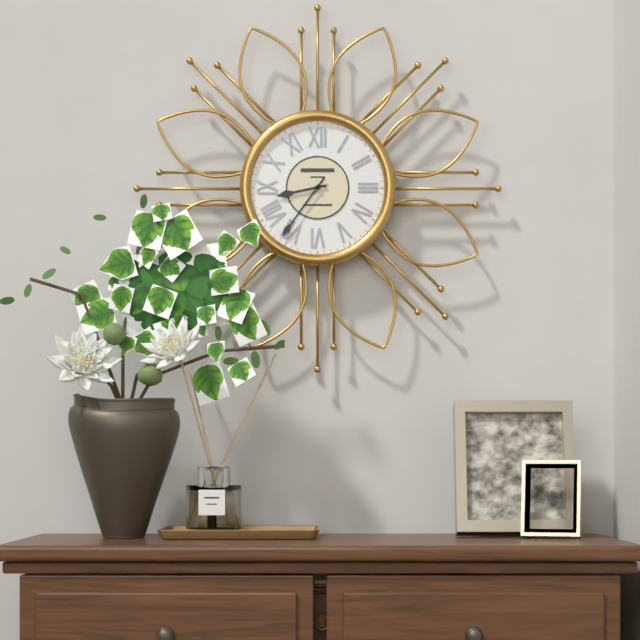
8:36
